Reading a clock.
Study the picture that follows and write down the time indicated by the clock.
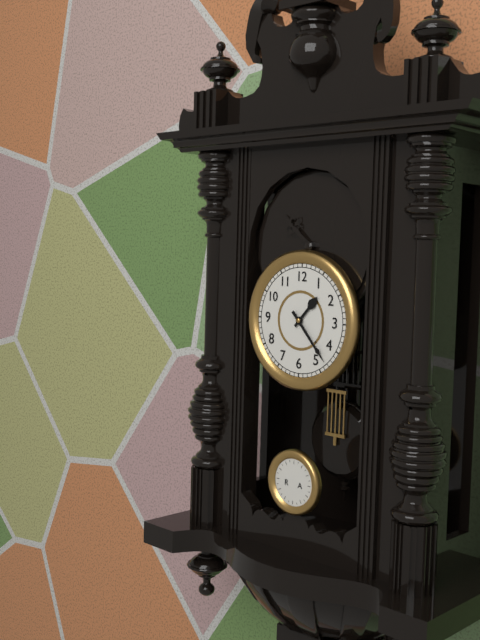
1:23
